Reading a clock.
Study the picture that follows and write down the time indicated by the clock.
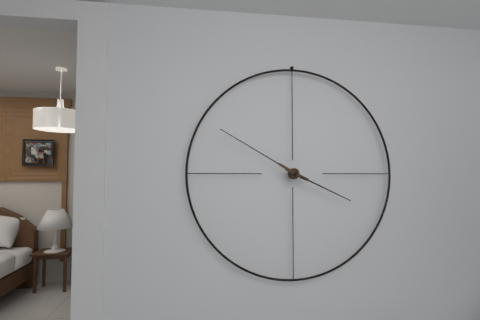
3:50
